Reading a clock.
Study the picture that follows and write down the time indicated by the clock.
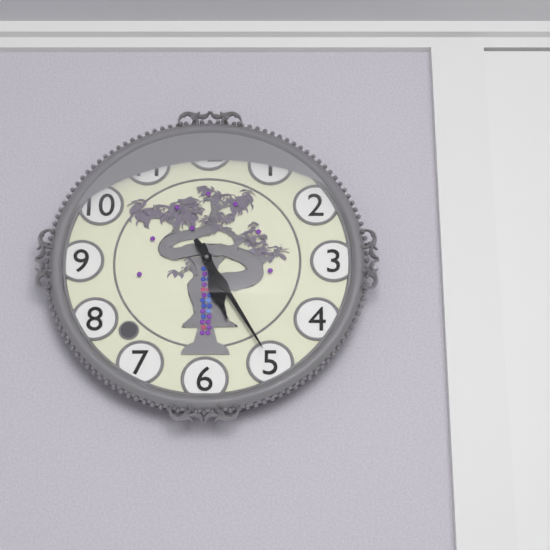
5:25
